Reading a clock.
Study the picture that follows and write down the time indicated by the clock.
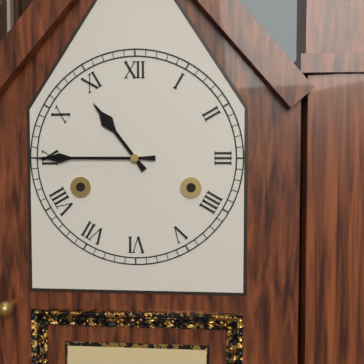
10:45
